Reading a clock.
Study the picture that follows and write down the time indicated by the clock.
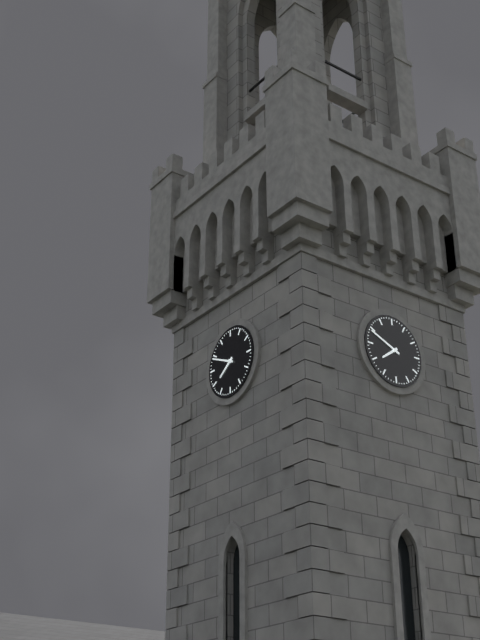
7:49
